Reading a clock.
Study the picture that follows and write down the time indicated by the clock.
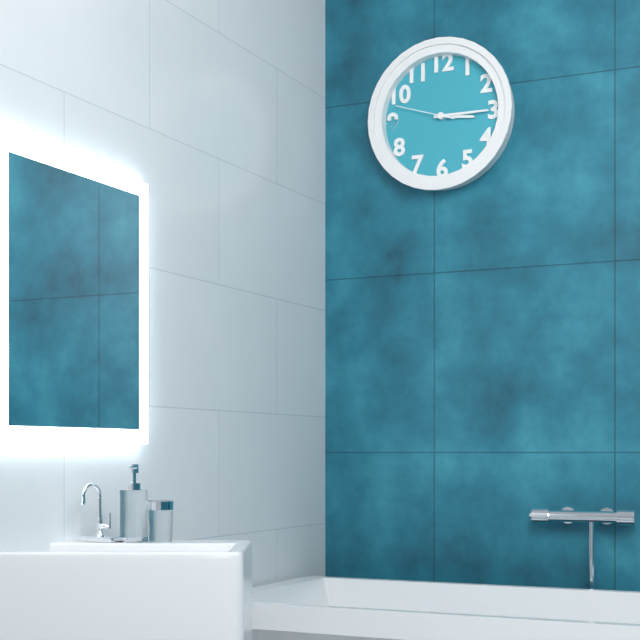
3:15:48
